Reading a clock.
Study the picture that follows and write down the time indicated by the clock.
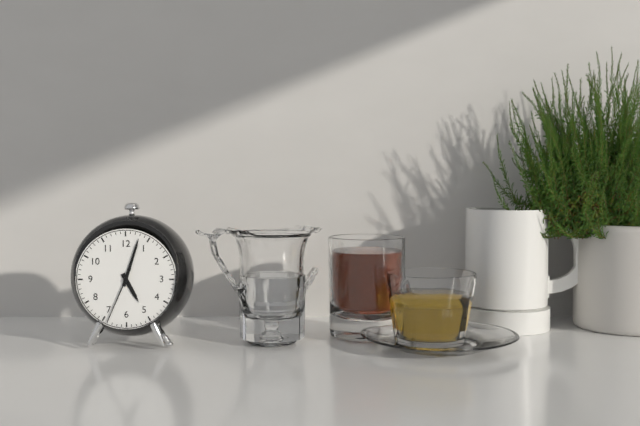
5:03:34
